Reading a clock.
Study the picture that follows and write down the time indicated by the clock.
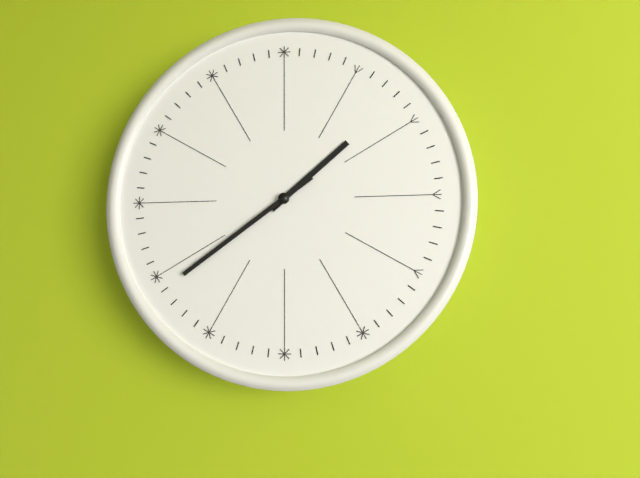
1:39
